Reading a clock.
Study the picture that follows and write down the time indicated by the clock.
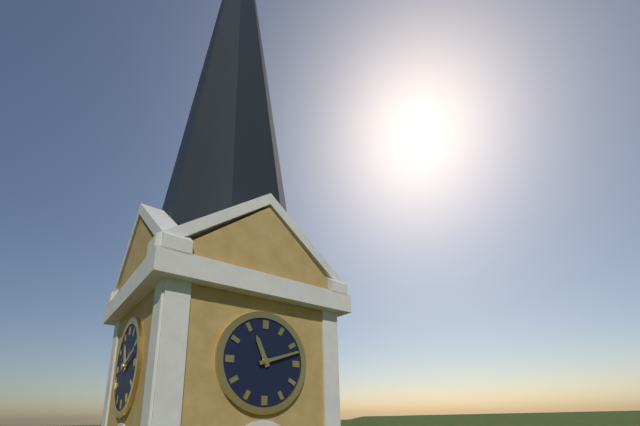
11:12
